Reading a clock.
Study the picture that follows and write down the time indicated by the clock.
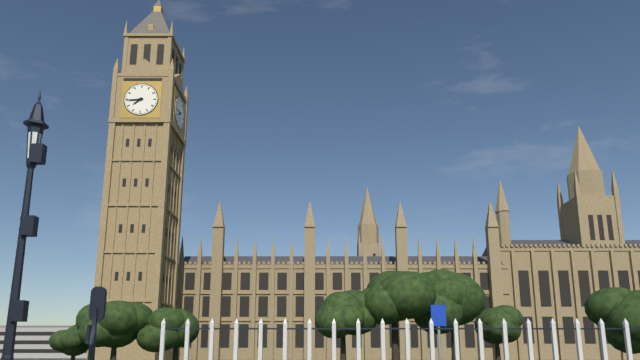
7:44
